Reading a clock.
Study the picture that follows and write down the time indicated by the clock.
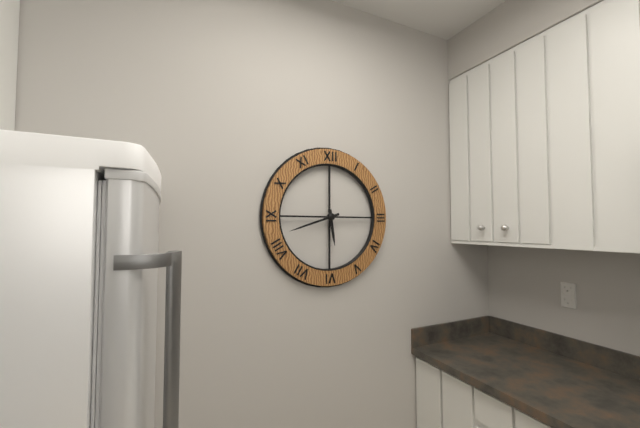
5:42
